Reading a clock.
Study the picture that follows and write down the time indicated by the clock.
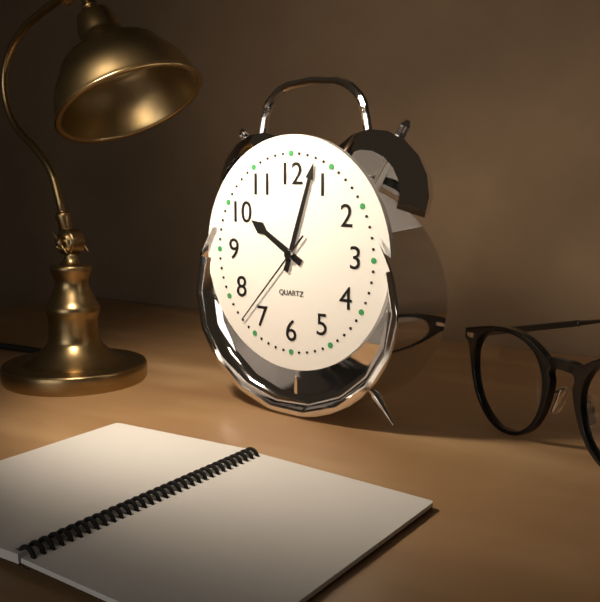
10:03:37
